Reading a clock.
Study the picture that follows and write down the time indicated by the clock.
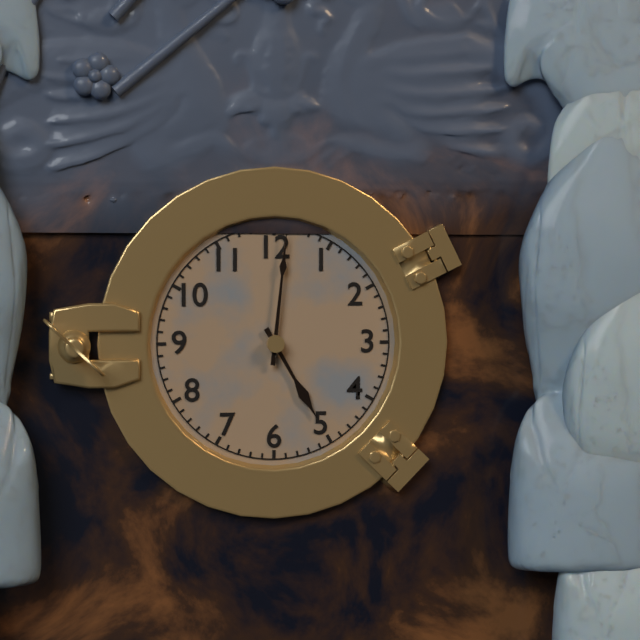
5:01
